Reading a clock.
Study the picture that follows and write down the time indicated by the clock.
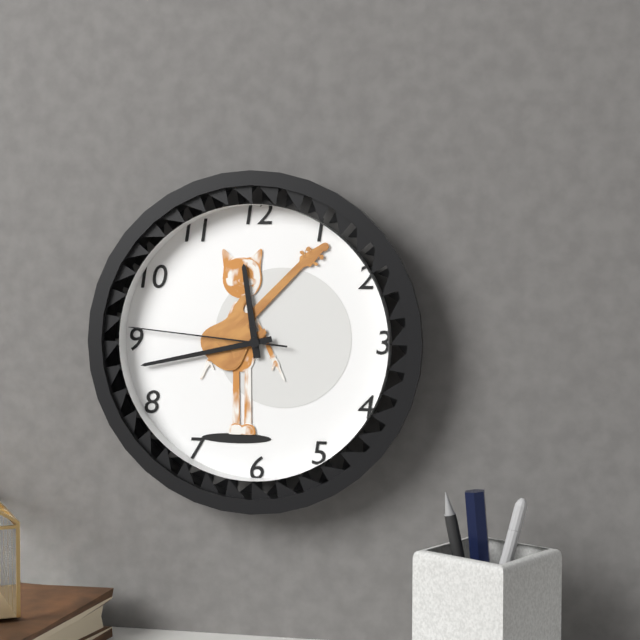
11:43:46
